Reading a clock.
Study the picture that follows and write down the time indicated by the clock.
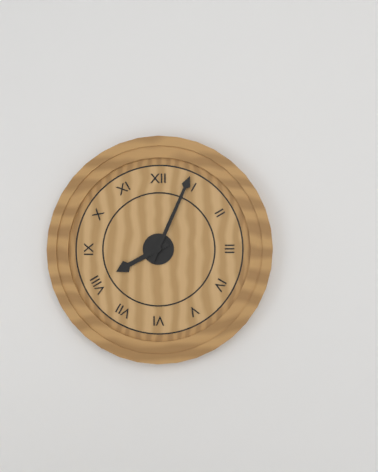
8:04
